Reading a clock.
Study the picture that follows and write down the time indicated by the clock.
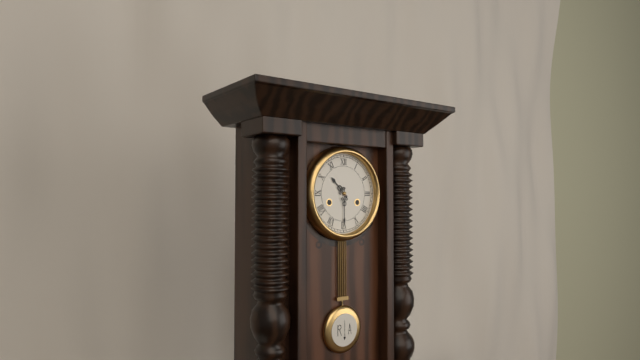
10:30
